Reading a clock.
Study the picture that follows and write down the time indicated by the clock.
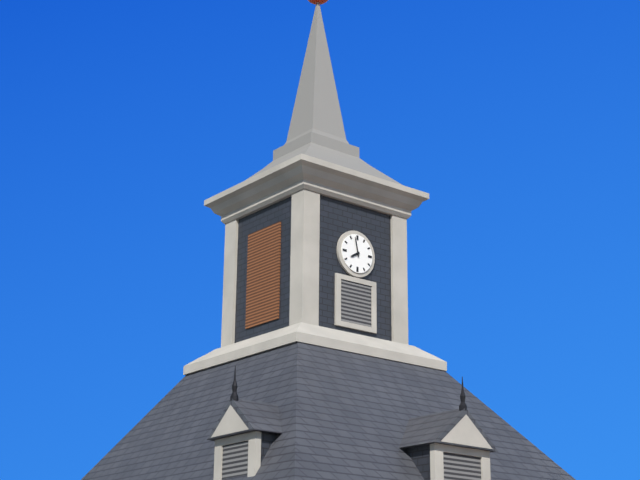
7:58
